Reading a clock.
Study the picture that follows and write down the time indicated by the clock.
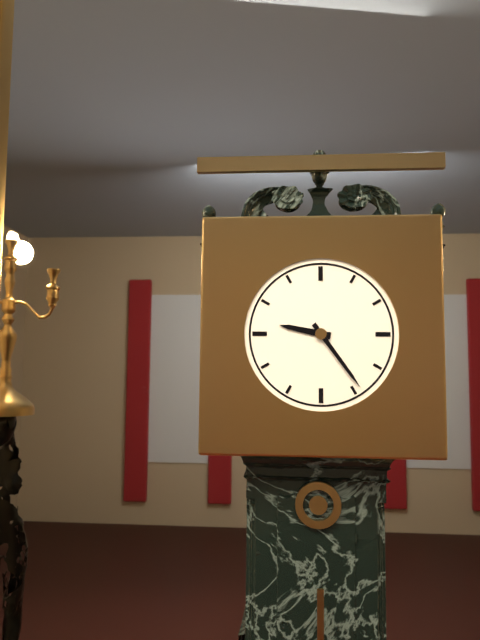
9:24
